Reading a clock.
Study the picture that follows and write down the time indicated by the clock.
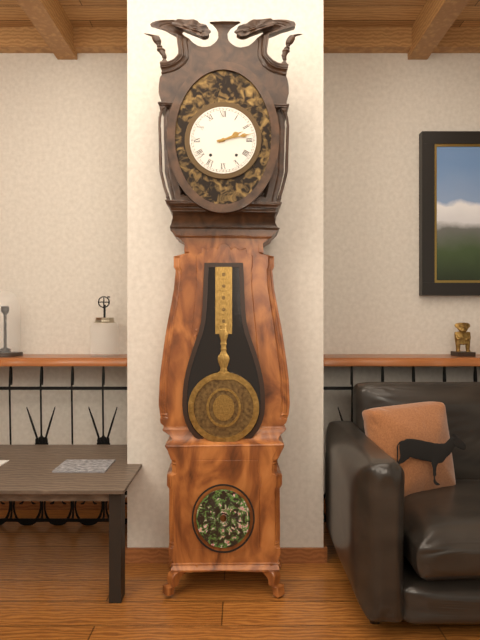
2:13
